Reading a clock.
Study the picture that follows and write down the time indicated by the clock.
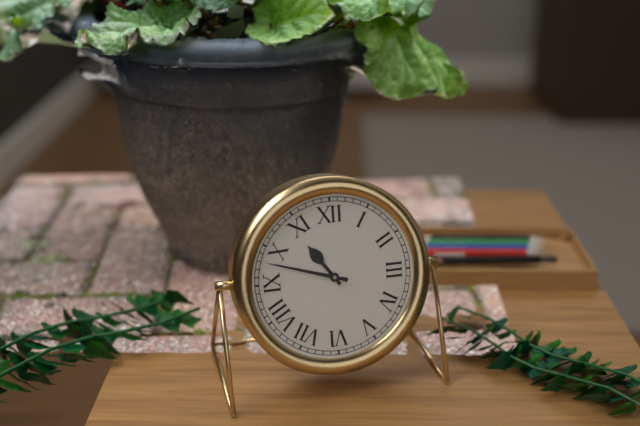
10:48
